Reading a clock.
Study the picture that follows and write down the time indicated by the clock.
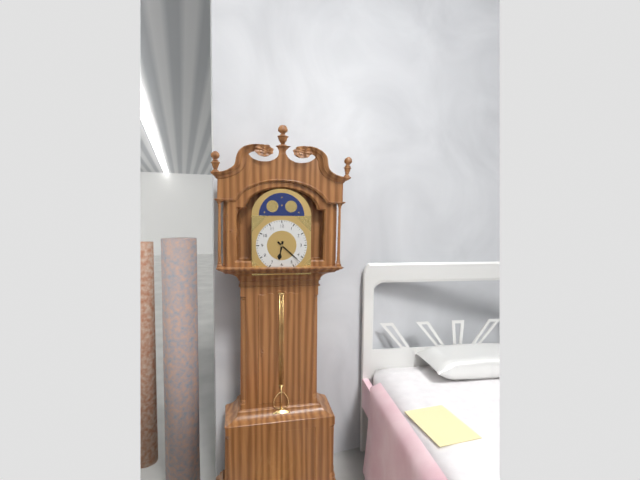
6:22
